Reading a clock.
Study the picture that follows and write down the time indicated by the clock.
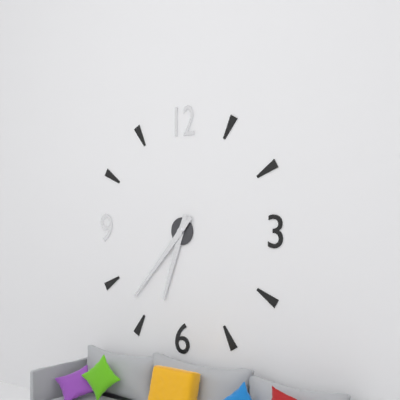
6:37
